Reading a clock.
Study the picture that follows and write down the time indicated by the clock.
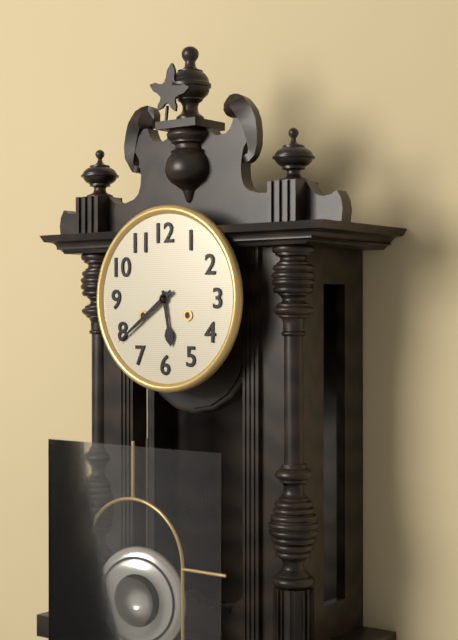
5:39
